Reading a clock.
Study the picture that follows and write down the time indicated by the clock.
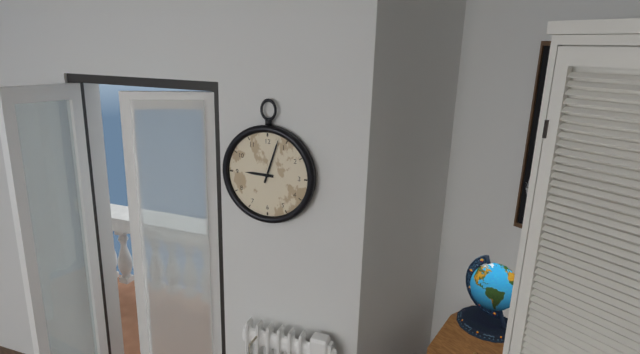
9:03
